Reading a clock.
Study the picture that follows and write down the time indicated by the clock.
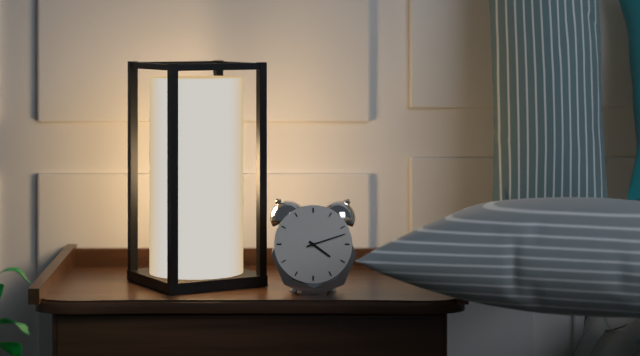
4:12
